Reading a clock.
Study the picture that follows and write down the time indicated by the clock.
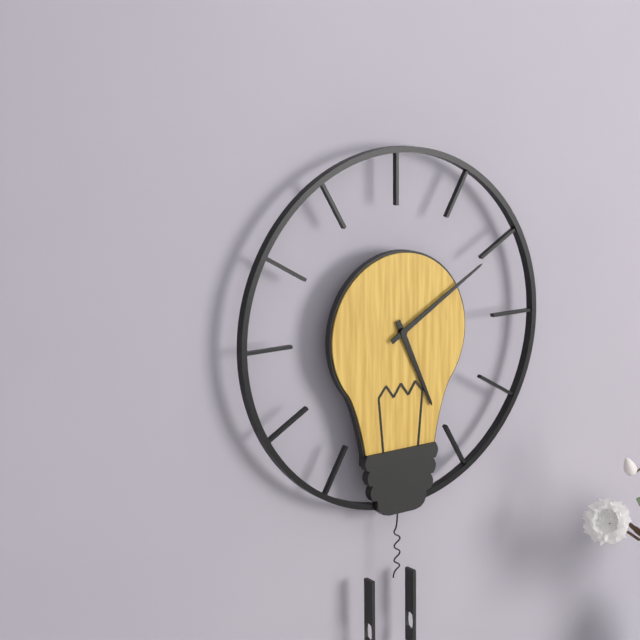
5:10
